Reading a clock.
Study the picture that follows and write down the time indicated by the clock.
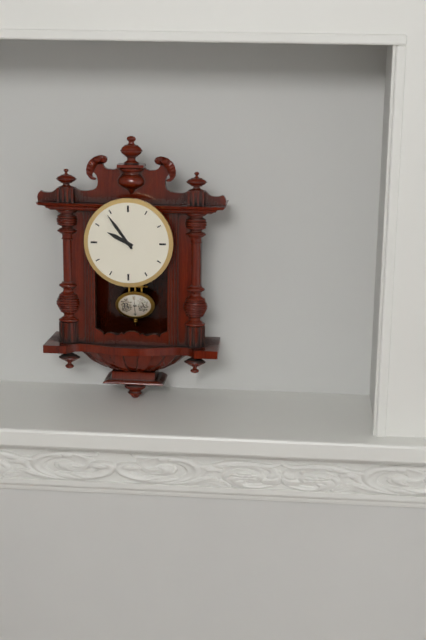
9:54
